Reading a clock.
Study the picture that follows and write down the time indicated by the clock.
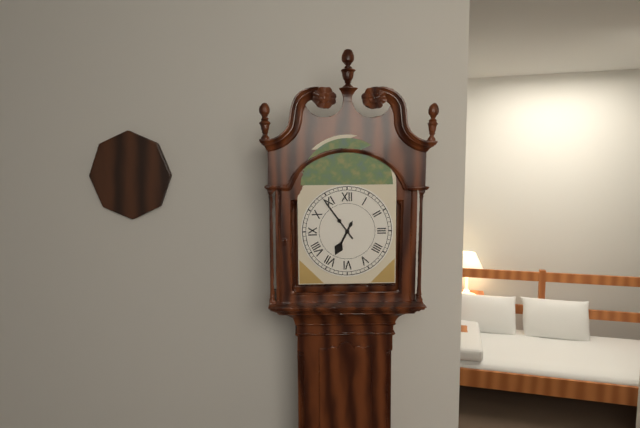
6:54
